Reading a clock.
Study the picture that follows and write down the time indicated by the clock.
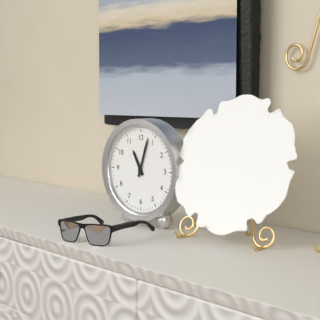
11:03
